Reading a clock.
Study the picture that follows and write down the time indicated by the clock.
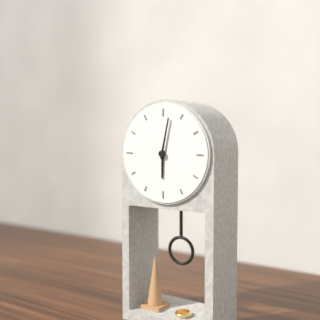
6:02
